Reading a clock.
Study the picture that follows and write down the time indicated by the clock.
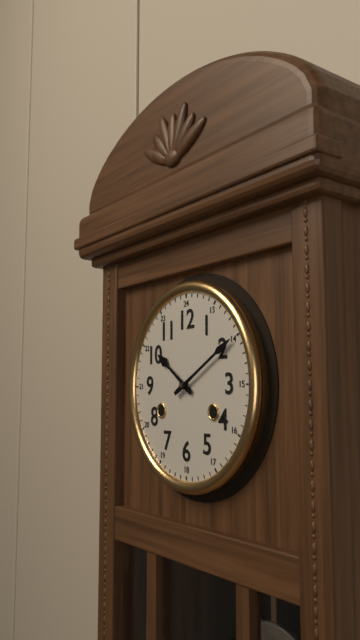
10:10
